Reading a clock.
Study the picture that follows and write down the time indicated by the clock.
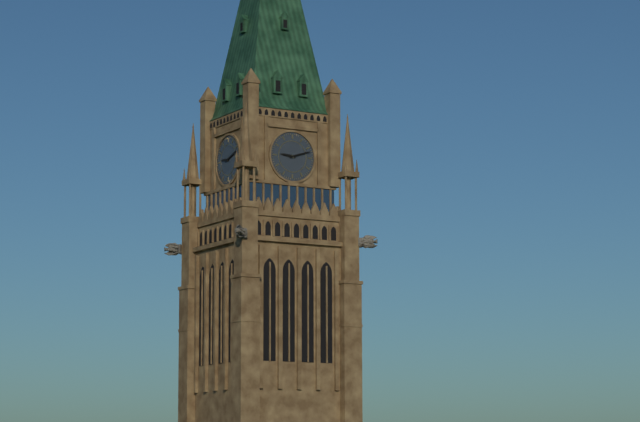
9:12
